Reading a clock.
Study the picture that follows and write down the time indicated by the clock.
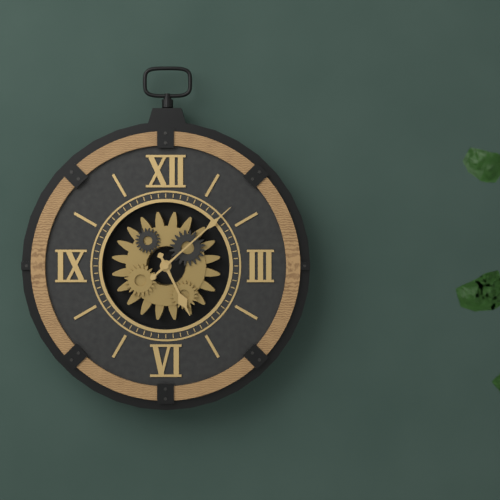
5:08
